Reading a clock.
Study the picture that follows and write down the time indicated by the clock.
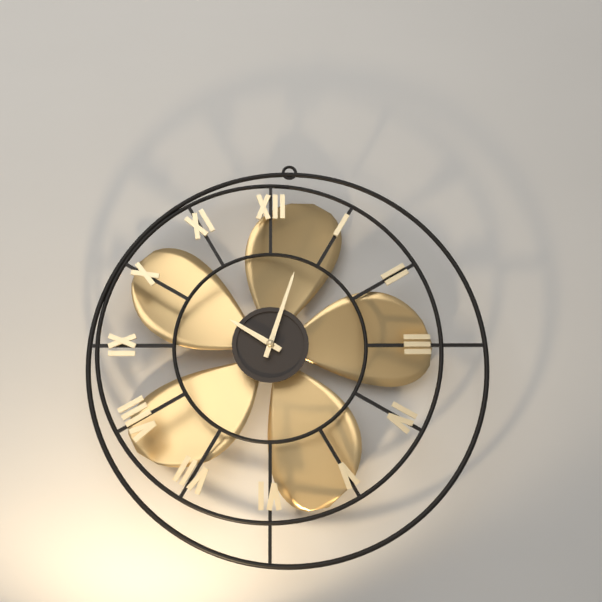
10:03
